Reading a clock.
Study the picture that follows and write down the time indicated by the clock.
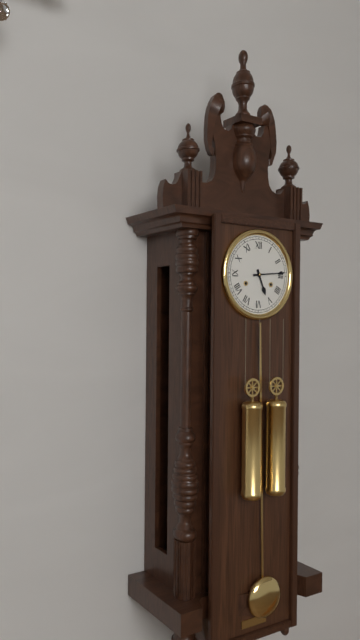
5:14
